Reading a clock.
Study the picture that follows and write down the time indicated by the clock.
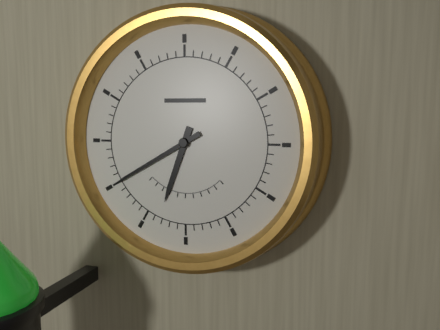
6:40
